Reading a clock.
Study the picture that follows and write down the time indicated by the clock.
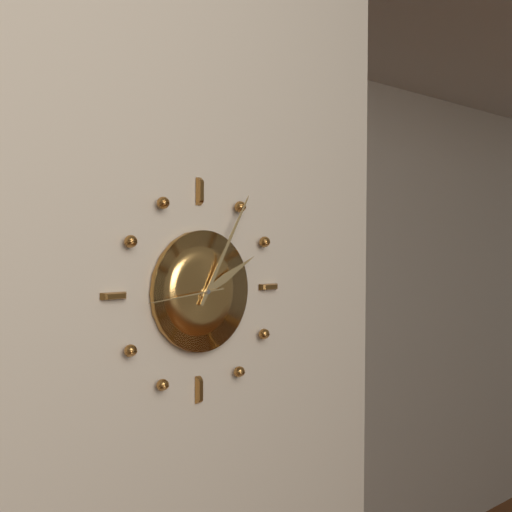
2:05:44
